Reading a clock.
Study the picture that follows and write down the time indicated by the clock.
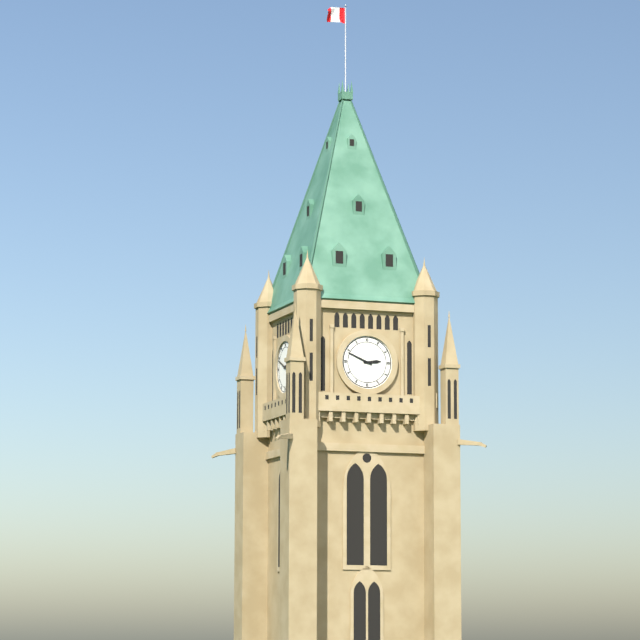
2:49
